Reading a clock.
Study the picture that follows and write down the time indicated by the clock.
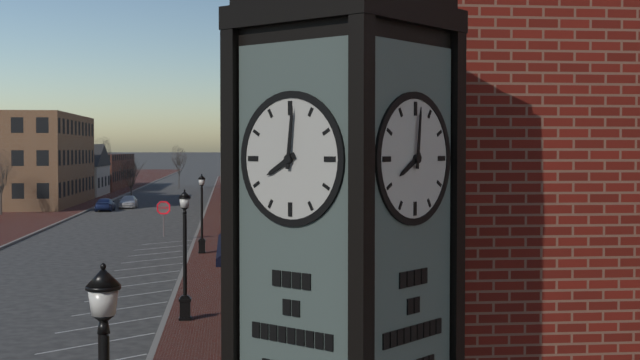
8:01
